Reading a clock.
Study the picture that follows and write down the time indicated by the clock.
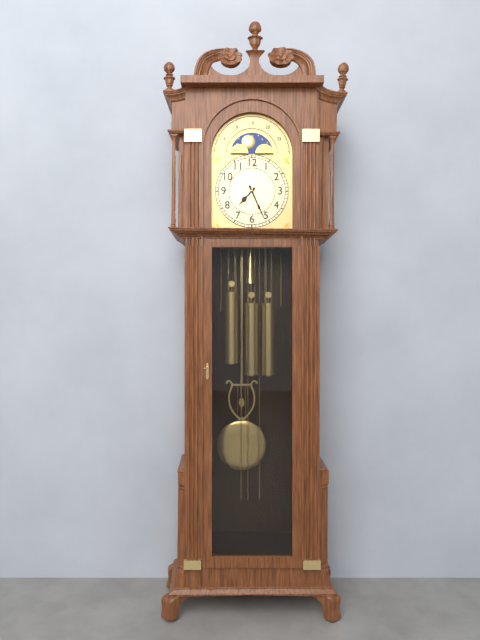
7:26
